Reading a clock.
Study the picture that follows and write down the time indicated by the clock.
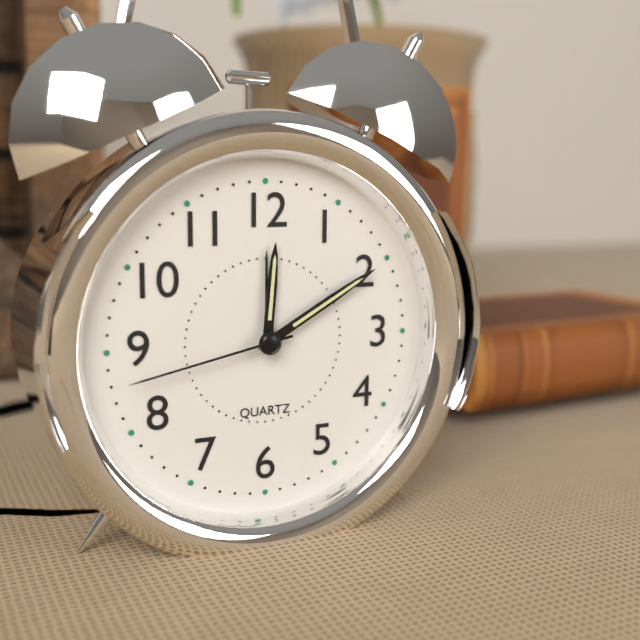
12:10:43
